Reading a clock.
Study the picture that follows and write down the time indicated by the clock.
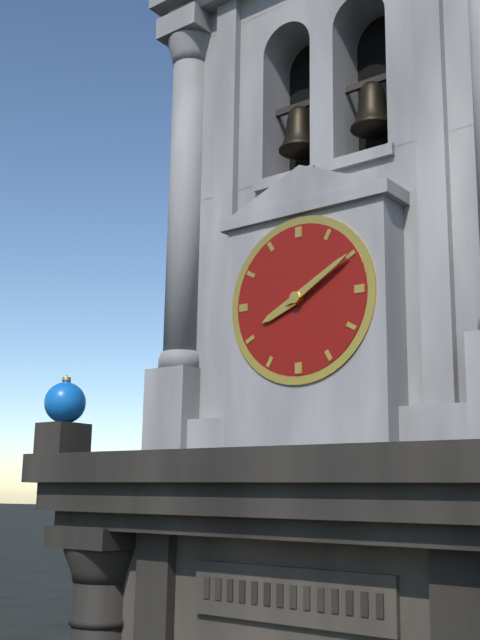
8:10
